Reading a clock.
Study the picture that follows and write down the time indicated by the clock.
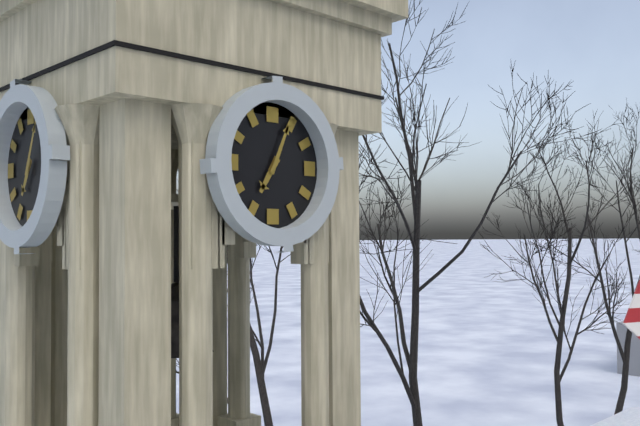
7:04
